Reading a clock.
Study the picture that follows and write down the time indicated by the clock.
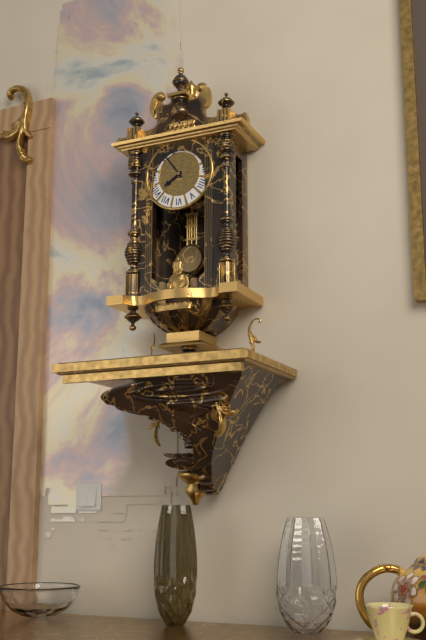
7:54
